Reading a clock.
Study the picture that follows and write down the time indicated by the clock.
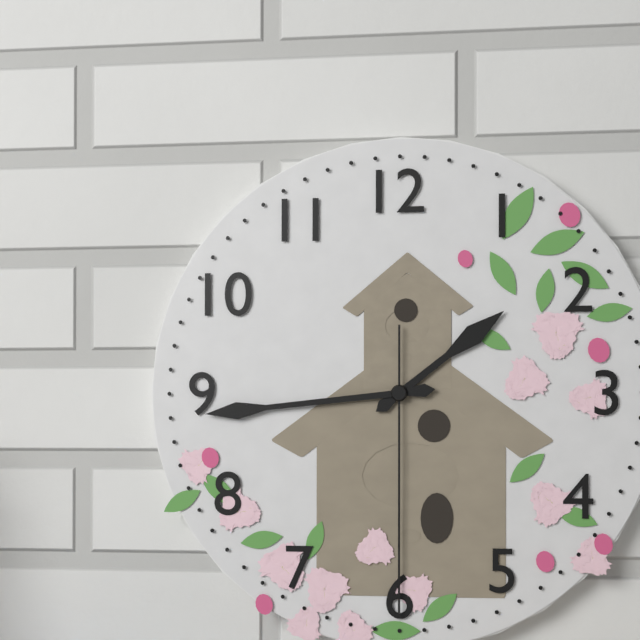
1:44:30
